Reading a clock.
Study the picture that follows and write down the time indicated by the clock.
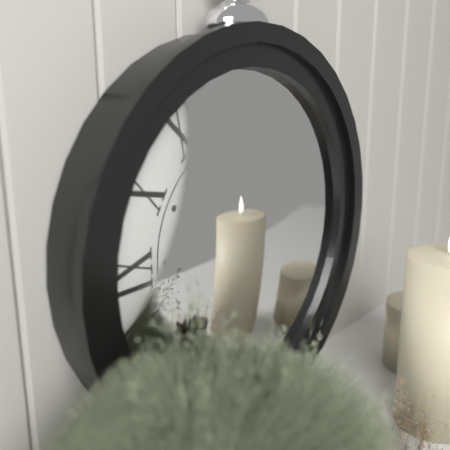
10:57
